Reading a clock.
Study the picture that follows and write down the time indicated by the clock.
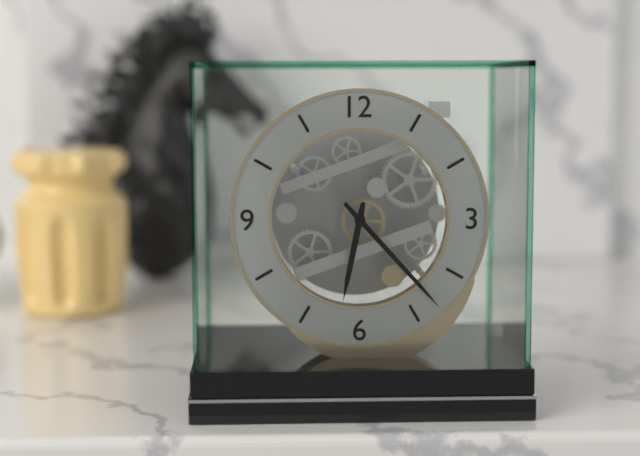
6:23
